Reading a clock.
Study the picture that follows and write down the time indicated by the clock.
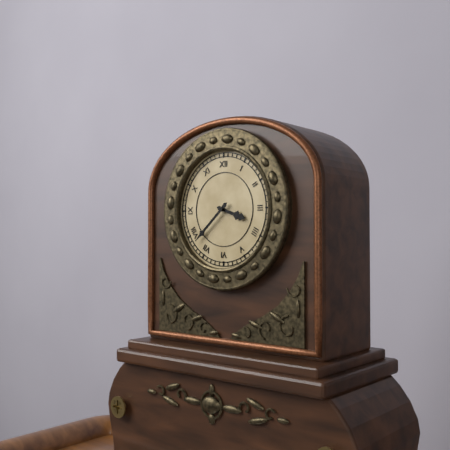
3:38
